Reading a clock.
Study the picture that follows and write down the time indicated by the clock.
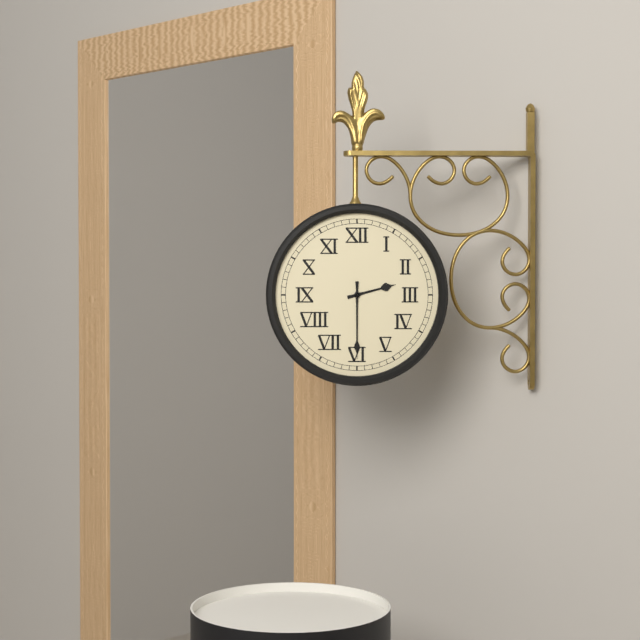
2:30
